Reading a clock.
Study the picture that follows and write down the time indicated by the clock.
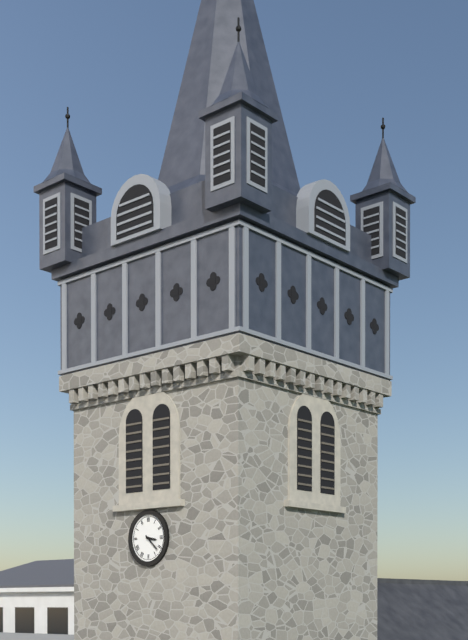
3:22
